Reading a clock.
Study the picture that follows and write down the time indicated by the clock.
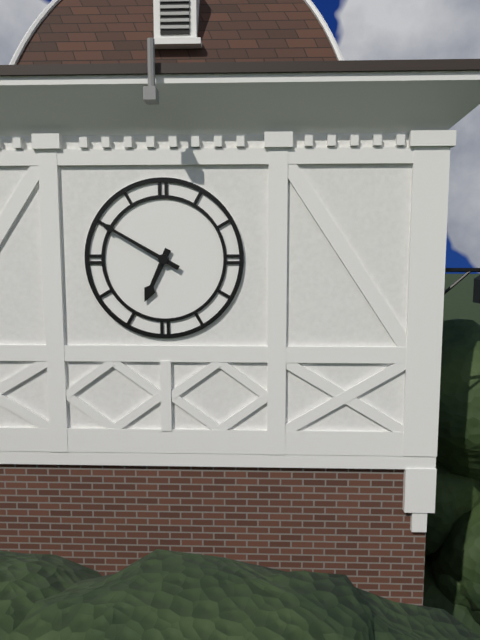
6:50
